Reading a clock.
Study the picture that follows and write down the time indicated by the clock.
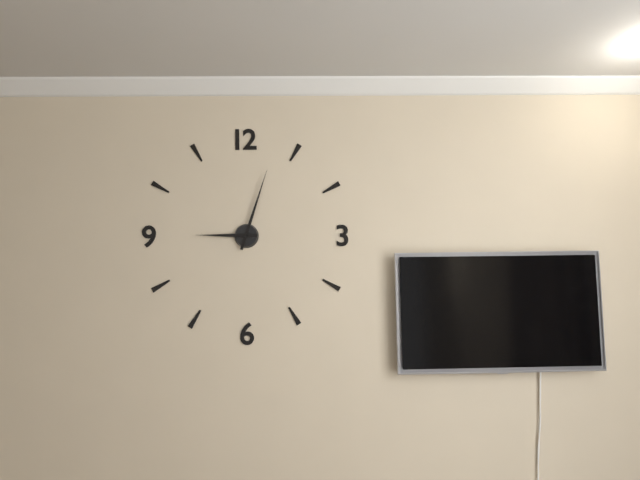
9:03
